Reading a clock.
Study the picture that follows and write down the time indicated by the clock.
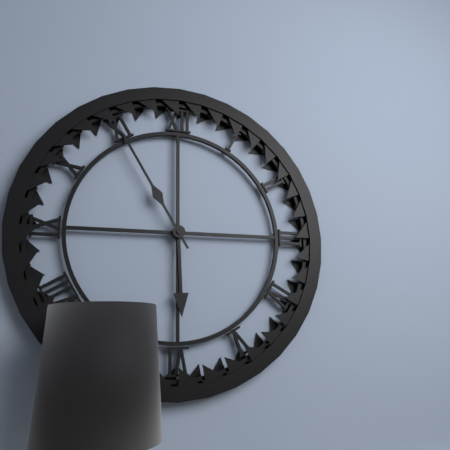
5:55
